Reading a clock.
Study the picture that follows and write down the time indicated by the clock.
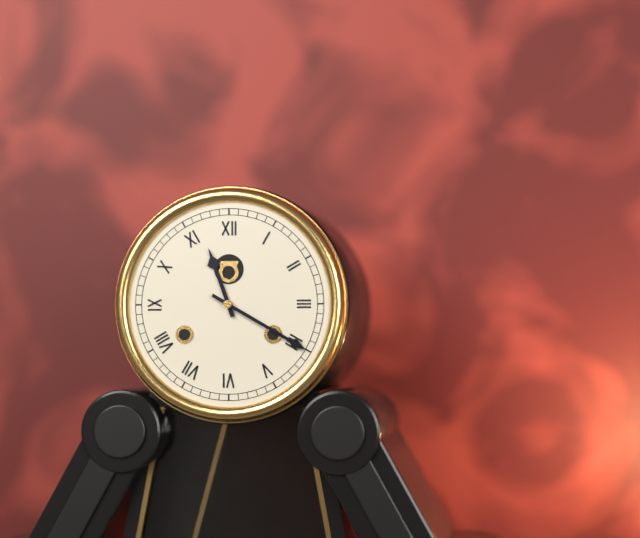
11:20
